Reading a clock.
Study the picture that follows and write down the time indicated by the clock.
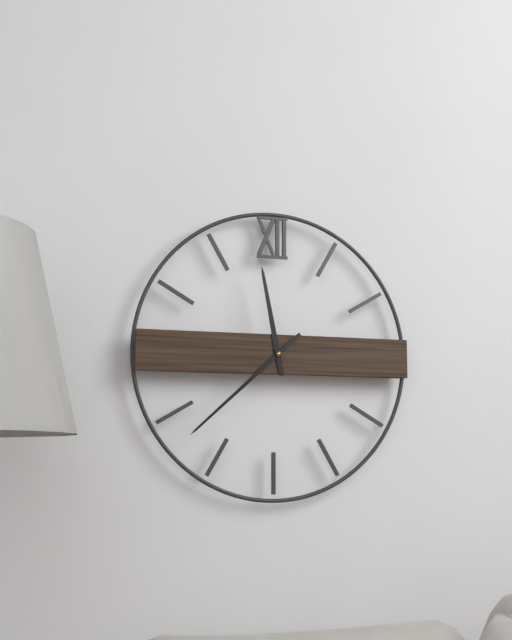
11:38
